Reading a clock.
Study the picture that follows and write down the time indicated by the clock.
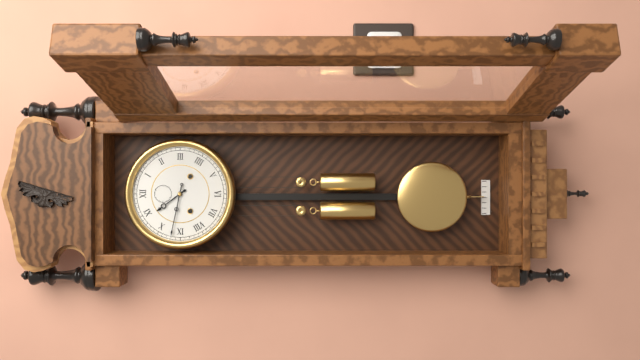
10:47
